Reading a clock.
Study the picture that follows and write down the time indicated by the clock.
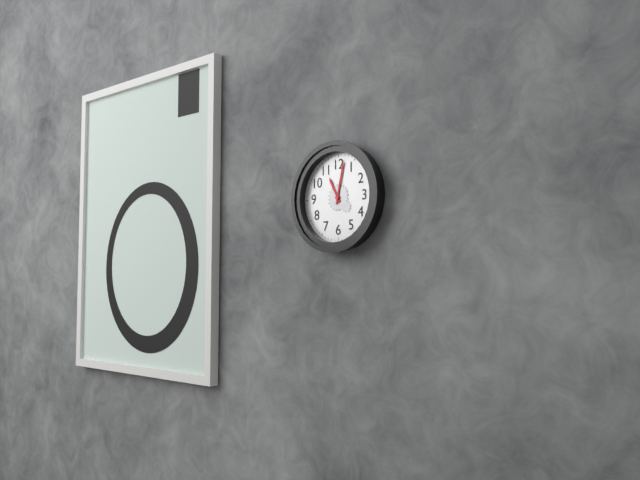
11:02
